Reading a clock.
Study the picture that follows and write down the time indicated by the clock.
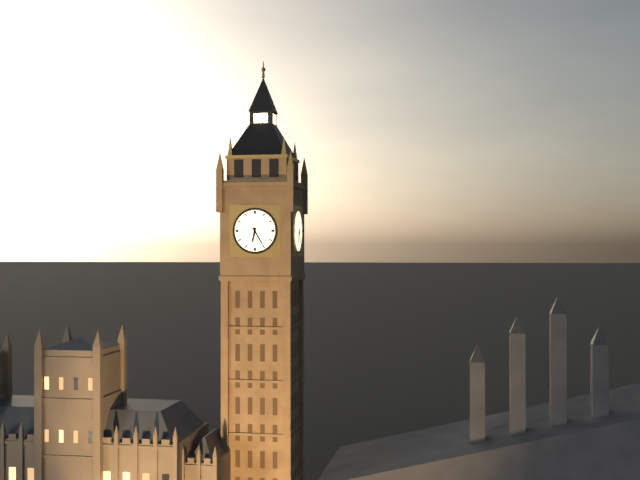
6:25
